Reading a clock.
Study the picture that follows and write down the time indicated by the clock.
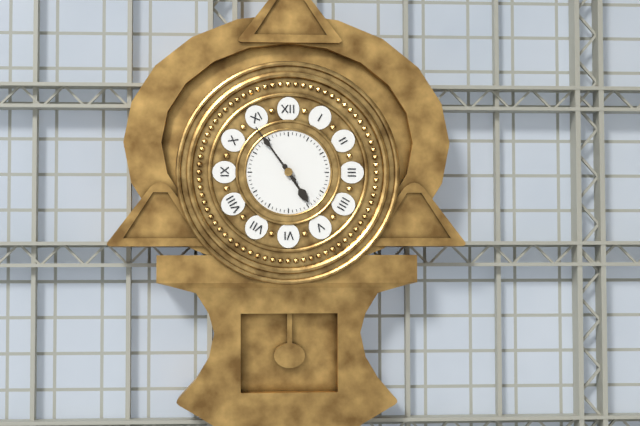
4:54
